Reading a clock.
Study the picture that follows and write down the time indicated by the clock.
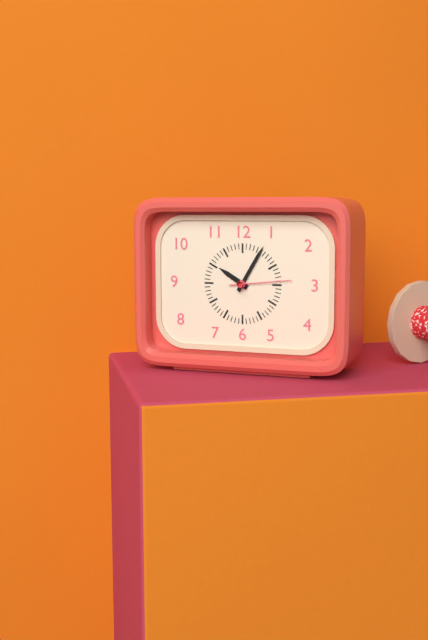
10:05:14
